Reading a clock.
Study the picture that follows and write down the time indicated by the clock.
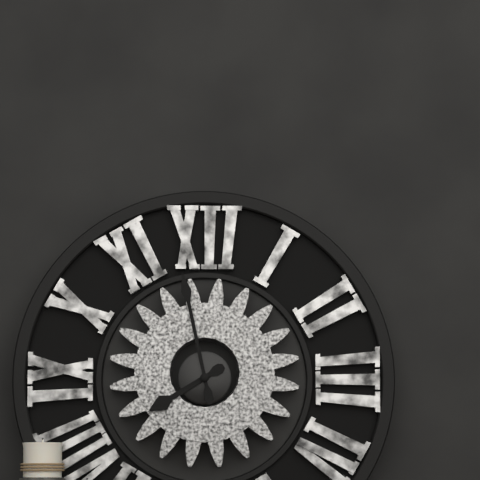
7:58
